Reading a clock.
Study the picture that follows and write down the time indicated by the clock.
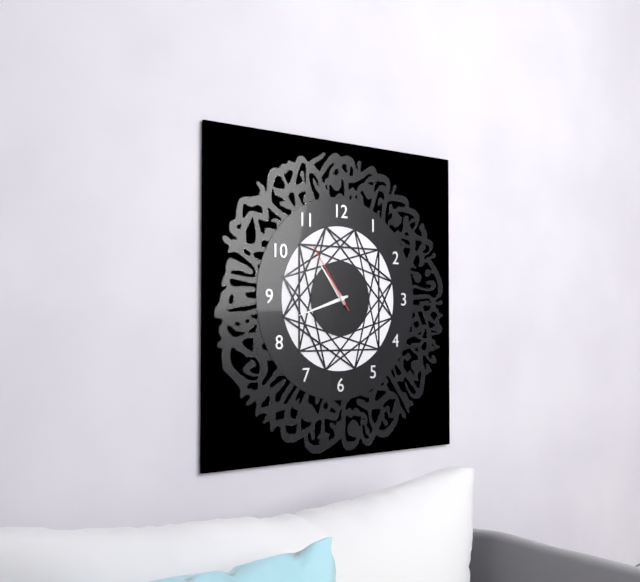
10:42:54
